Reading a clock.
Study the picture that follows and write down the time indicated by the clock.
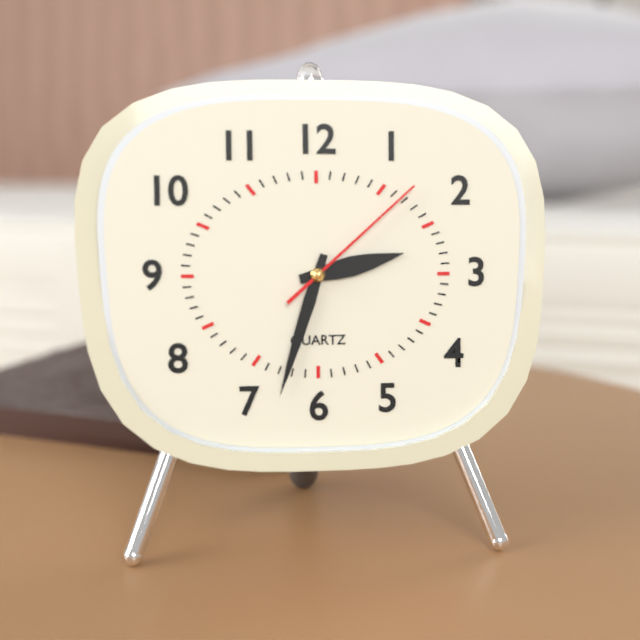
2:33:08
